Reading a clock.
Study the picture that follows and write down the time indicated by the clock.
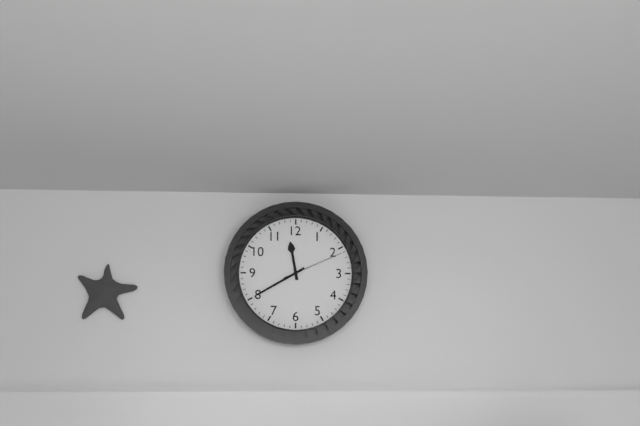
11:40:11
